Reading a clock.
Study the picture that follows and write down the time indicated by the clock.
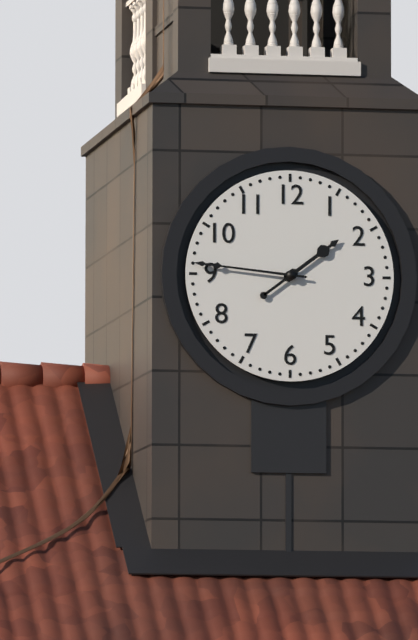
1:46
